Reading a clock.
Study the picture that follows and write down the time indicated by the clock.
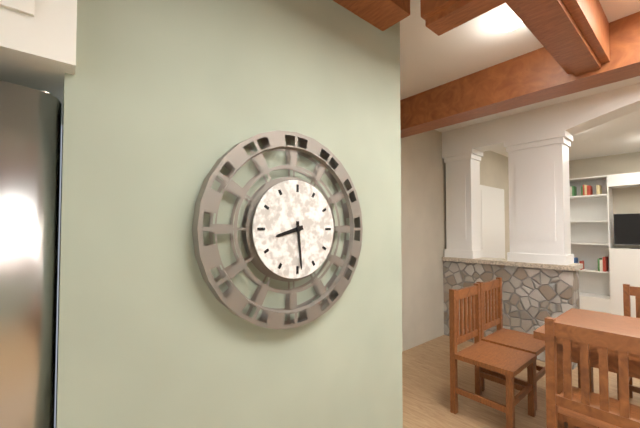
8:29
